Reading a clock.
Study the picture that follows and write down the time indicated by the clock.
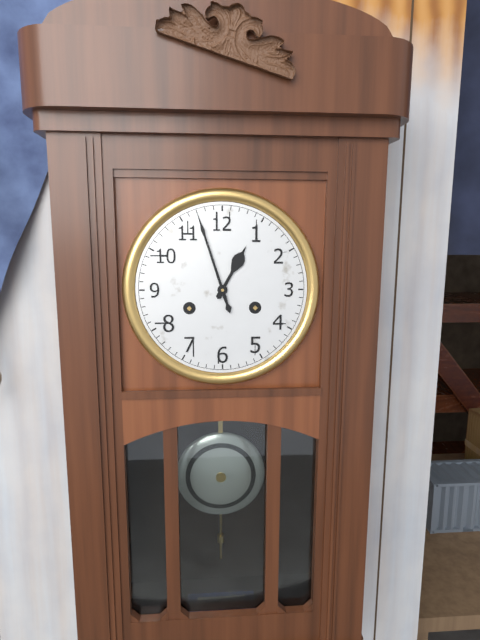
12:57
